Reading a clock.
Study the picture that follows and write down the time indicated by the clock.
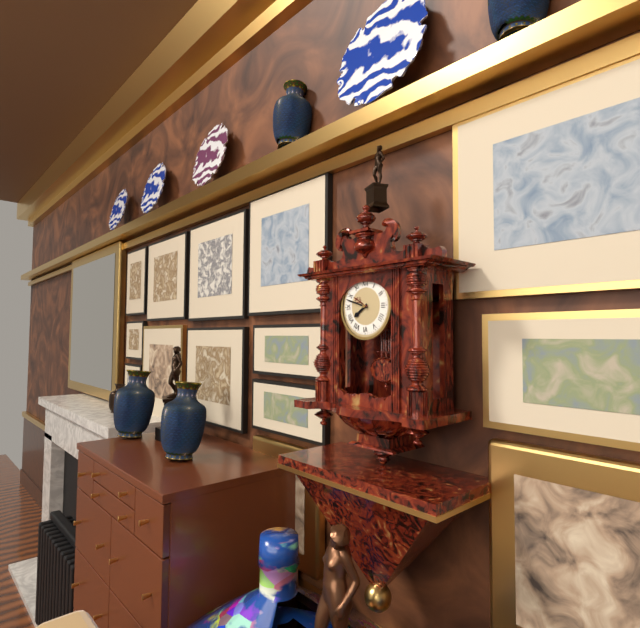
7:48
